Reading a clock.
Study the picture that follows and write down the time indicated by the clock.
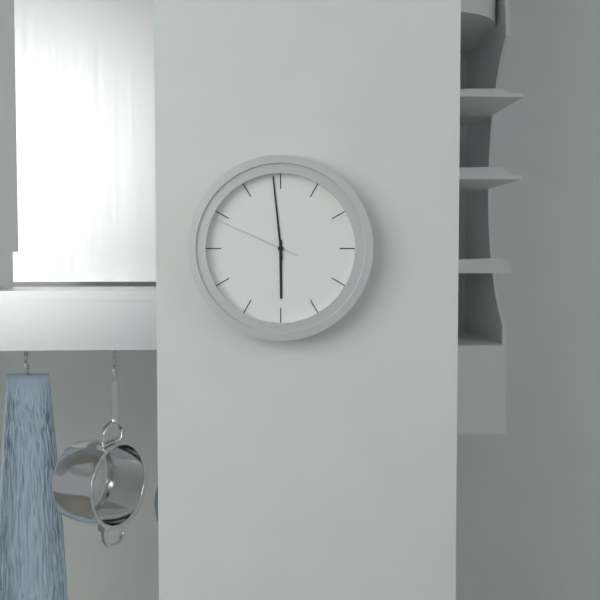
5:59:49
